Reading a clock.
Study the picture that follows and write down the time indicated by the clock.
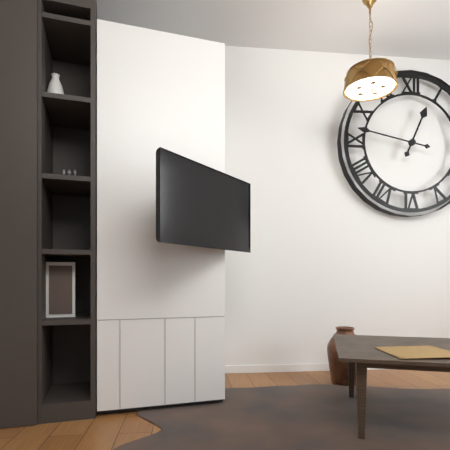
12:47
